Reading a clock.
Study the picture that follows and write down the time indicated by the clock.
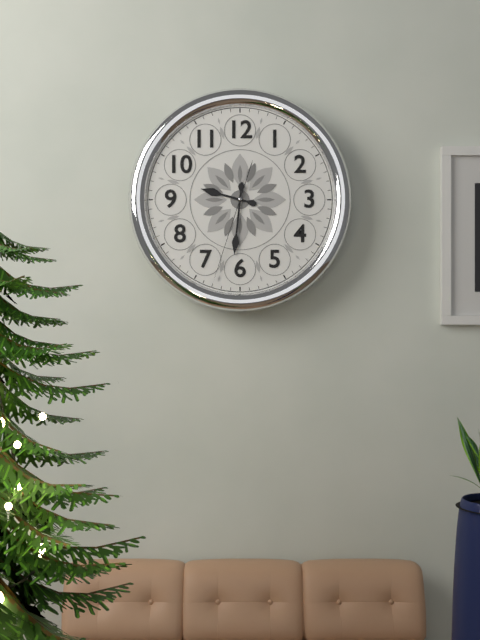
9:31:33
